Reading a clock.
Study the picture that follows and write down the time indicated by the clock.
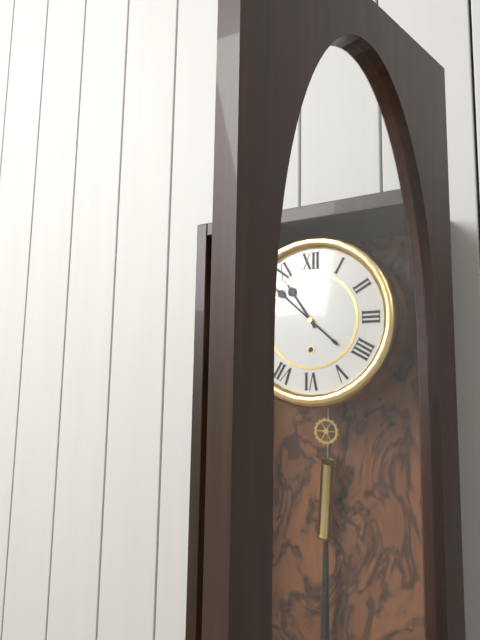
10:52
